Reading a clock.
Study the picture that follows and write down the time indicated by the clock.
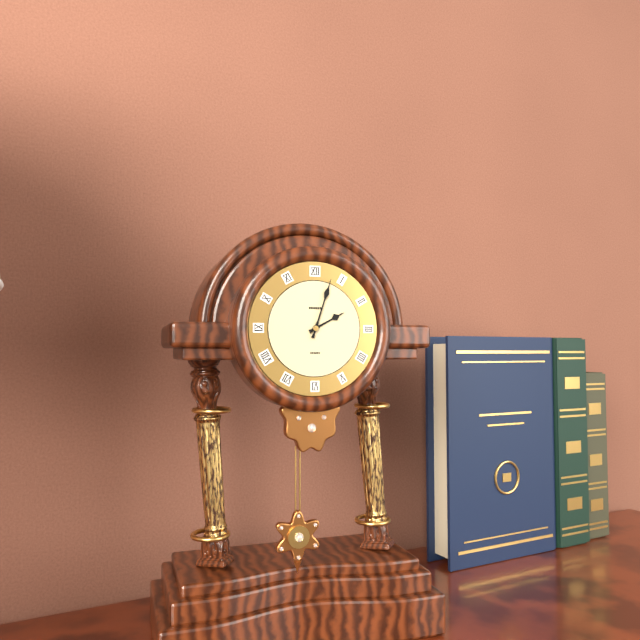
2:03
